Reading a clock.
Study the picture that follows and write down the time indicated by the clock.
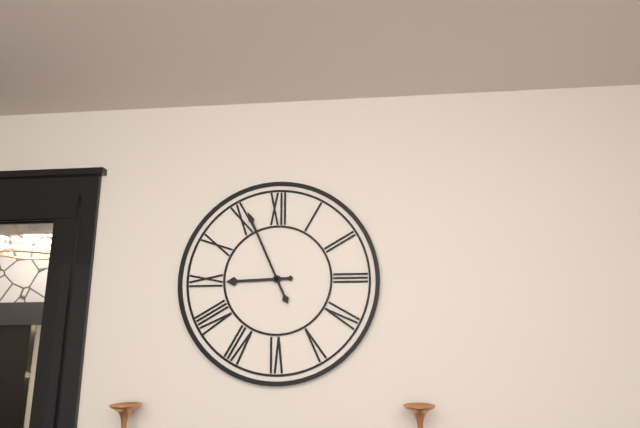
8:56
